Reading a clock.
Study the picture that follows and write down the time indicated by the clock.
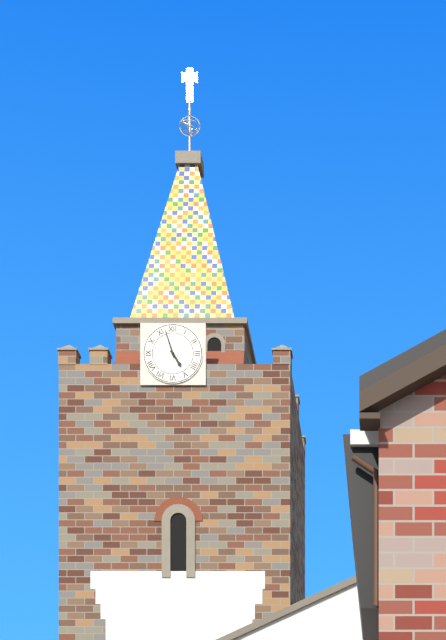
4:57
